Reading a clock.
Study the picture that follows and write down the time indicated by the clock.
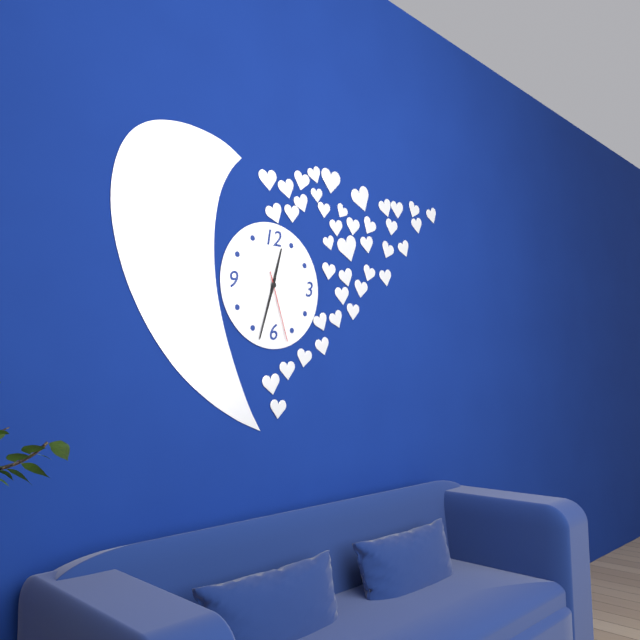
12:33:27
